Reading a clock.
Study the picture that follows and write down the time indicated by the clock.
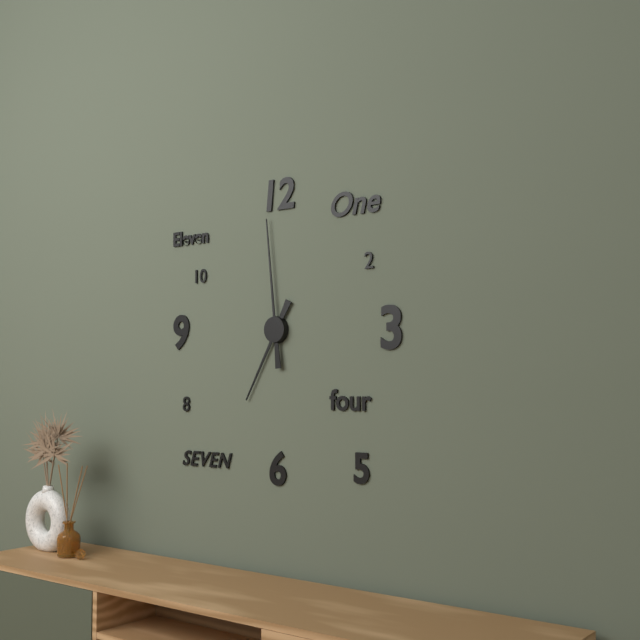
6:59
